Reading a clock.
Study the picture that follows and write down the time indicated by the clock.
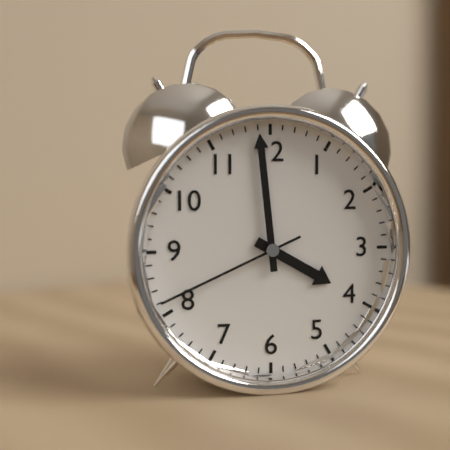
3:59:41
